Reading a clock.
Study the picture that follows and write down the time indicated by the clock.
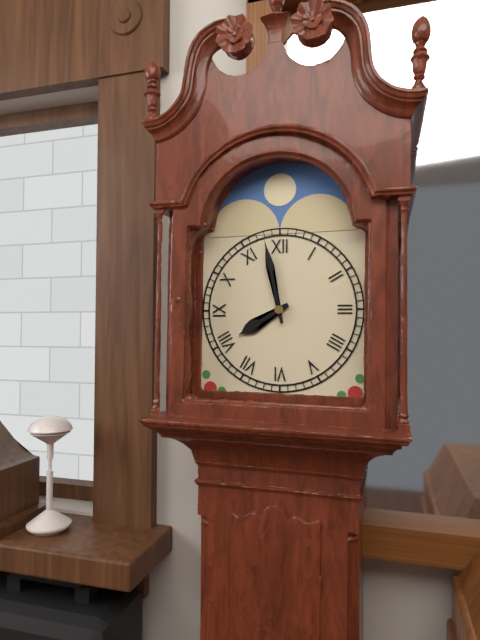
7:58
